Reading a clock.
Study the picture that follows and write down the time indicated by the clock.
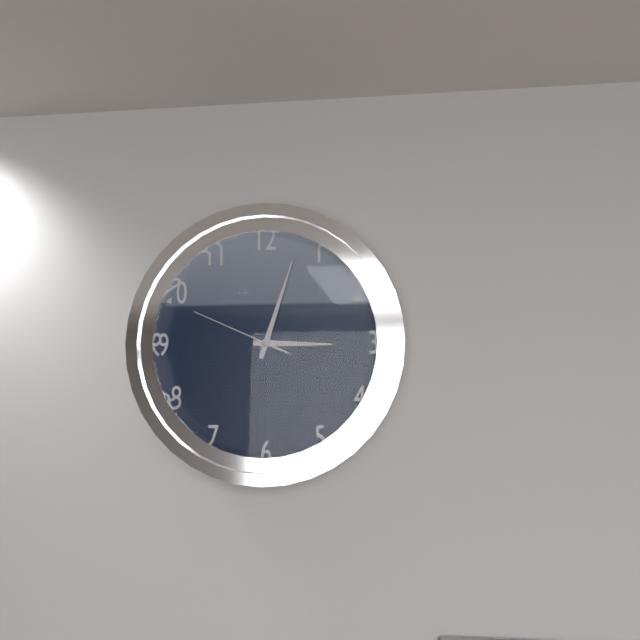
3:03:49
